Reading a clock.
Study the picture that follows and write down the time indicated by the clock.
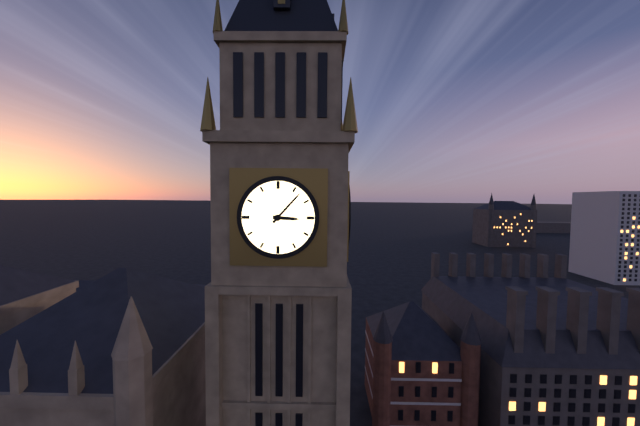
3:07
